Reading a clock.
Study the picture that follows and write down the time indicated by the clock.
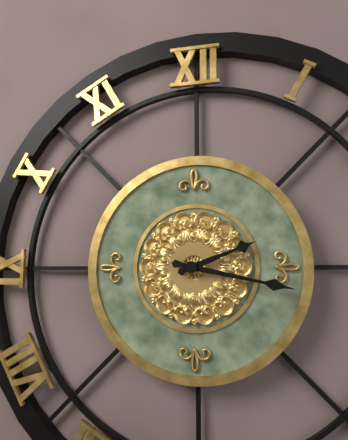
2:17
